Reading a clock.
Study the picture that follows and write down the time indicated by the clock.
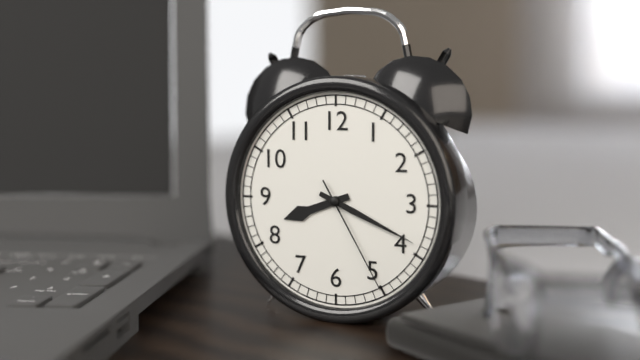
8:19:25
